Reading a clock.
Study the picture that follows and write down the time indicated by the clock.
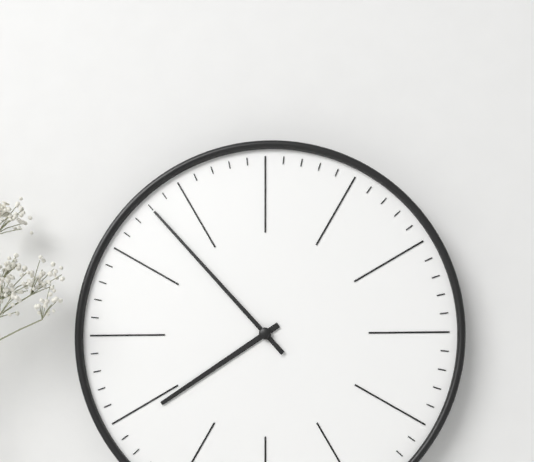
7:53
